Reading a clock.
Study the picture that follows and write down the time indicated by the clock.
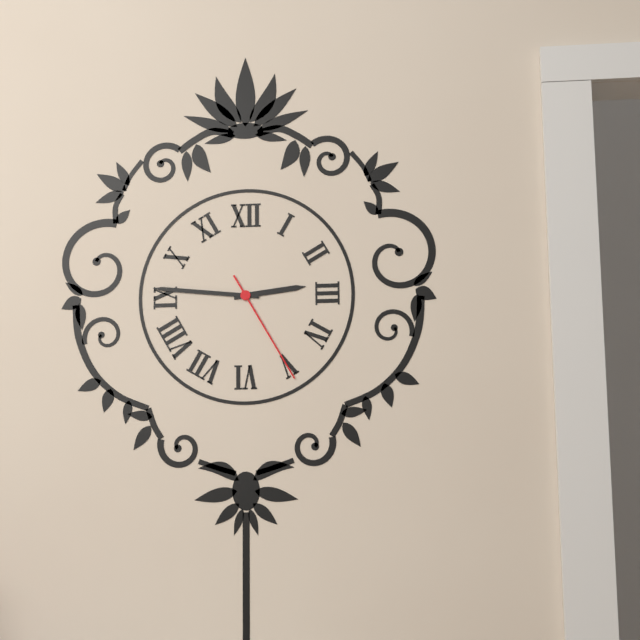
2:46:25
